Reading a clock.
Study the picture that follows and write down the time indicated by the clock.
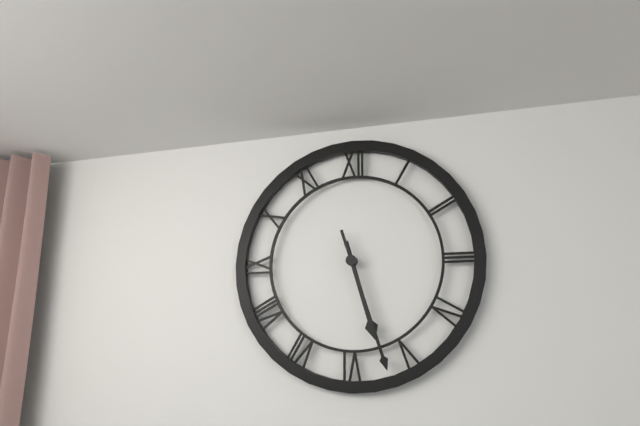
5:27
